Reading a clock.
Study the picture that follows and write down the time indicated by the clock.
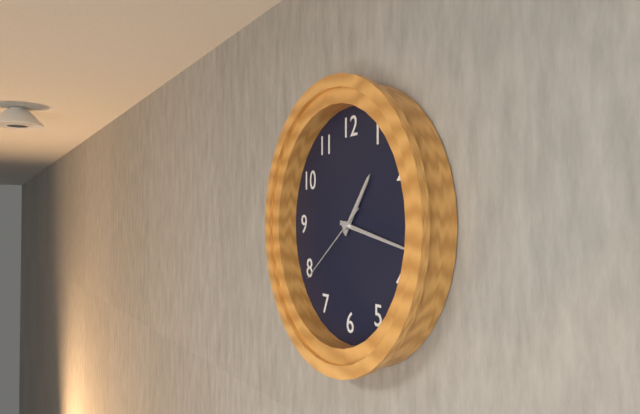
1:17:39
